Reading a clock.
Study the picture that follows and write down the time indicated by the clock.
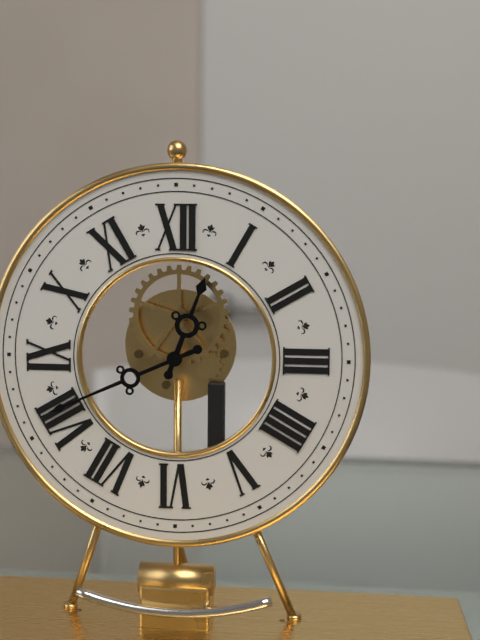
12:41
